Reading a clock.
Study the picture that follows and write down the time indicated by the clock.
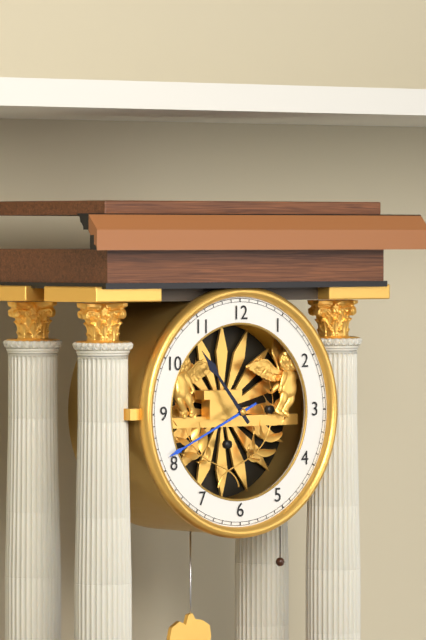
10:41
